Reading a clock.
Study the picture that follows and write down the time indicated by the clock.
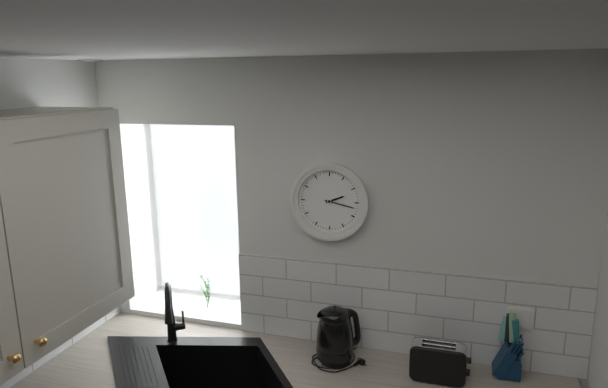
2:17
